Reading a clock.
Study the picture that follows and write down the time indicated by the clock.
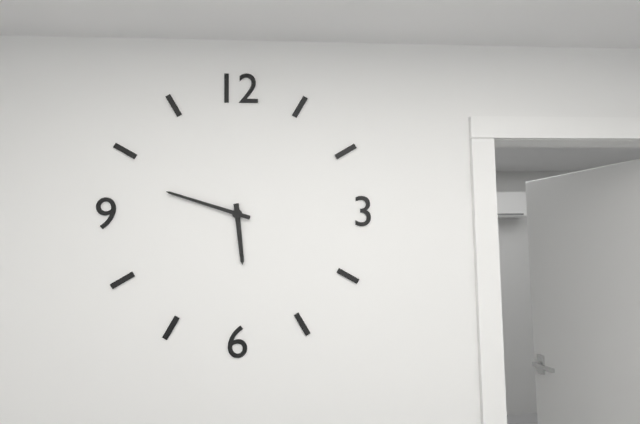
5:48
